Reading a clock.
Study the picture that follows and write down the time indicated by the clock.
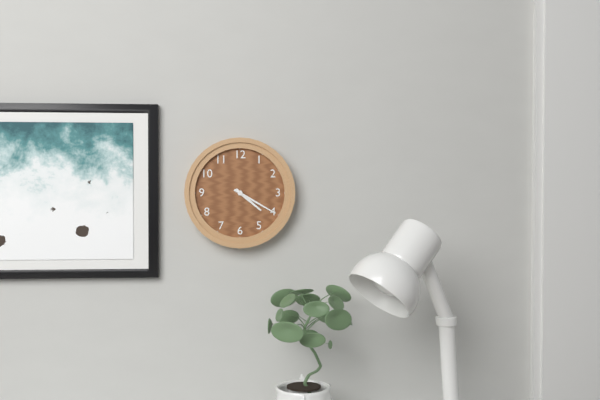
4:20
